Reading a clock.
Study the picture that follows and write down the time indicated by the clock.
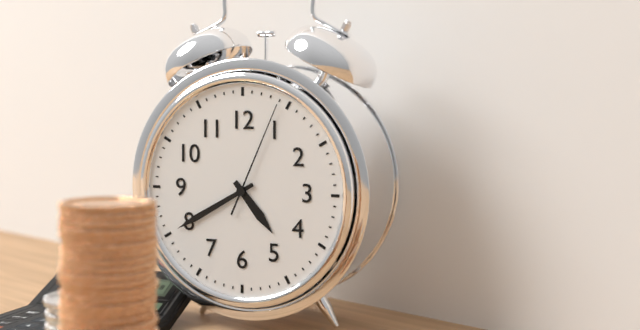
4:40:04
